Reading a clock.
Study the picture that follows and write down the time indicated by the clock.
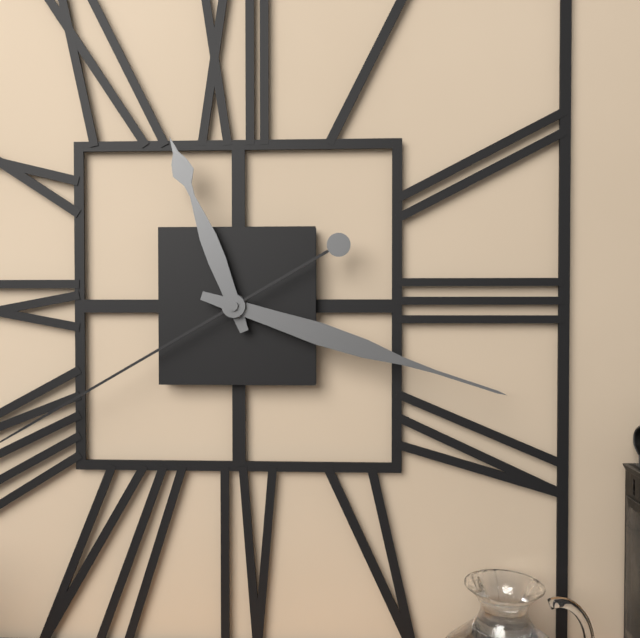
11:18
